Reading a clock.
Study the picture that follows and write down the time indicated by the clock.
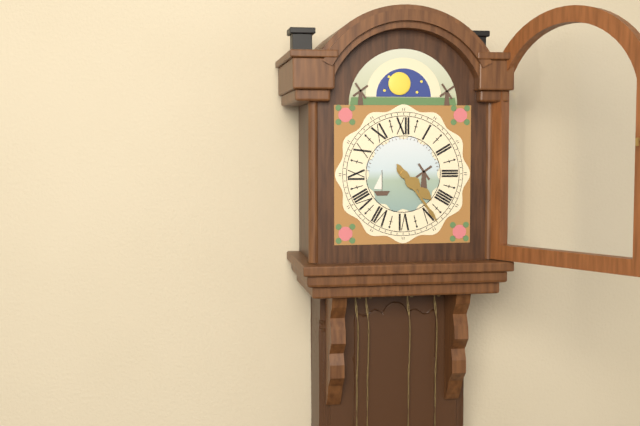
4:24
